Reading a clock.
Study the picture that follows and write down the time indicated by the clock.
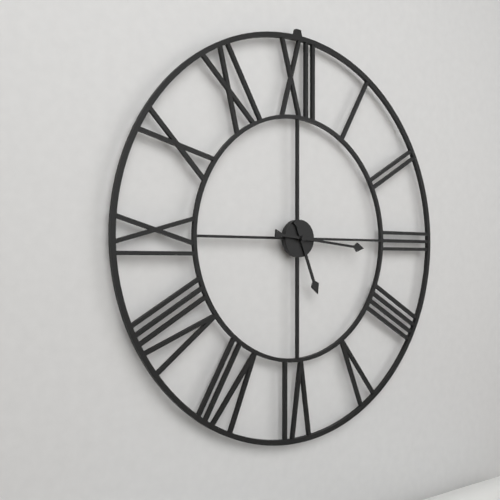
5:16
